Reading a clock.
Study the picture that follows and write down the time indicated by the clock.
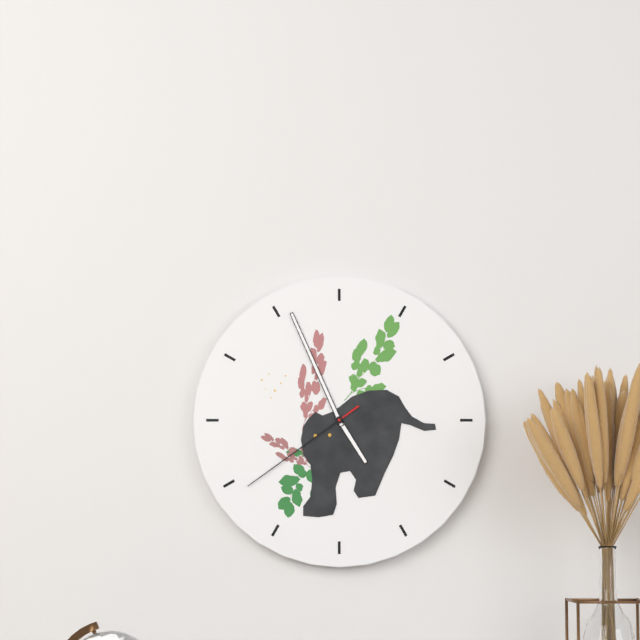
4:56:39
